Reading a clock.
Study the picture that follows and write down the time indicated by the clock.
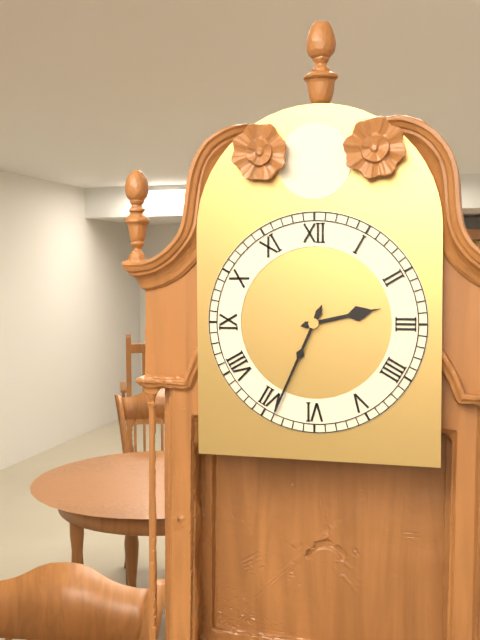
2:34
